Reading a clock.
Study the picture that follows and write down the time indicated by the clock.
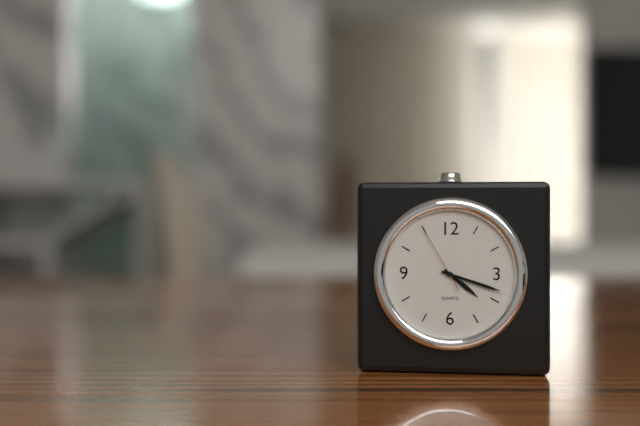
4:18:55
